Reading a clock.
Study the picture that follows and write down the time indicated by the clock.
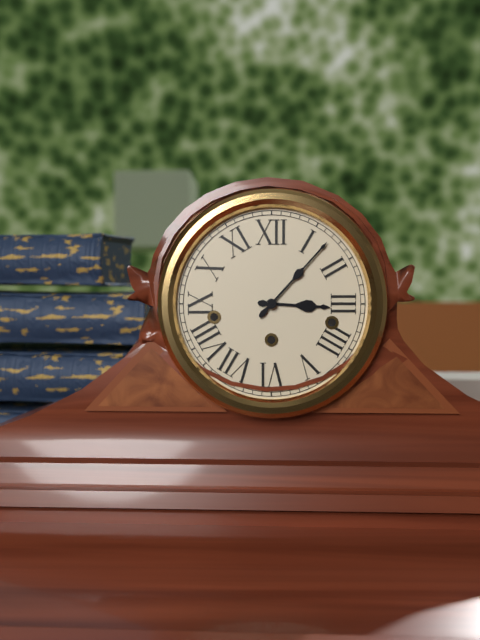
3:07
